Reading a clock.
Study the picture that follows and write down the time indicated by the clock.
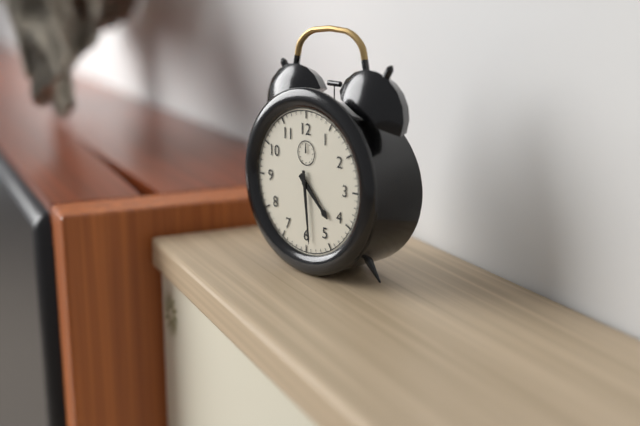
4:29
